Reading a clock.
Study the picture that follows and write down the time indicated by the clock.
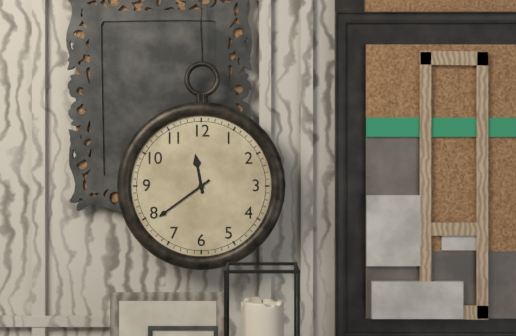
11:39
